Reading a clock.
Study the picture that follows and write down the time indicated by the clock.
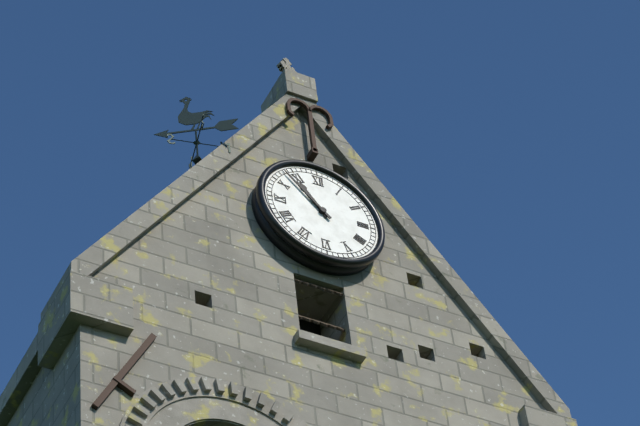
10:53
